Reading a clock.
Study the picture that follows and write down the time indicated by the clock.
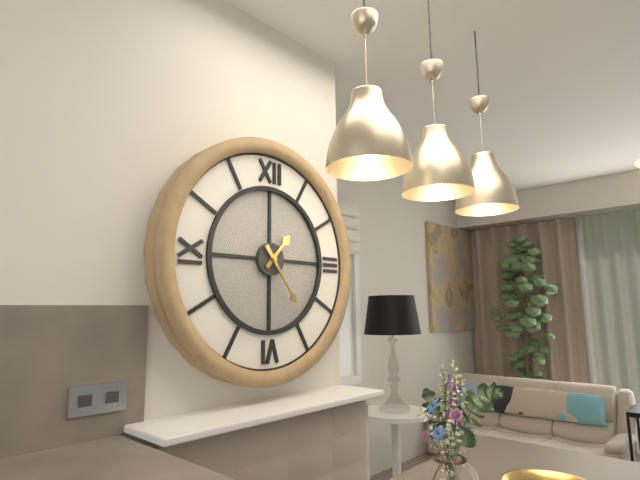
1:24
